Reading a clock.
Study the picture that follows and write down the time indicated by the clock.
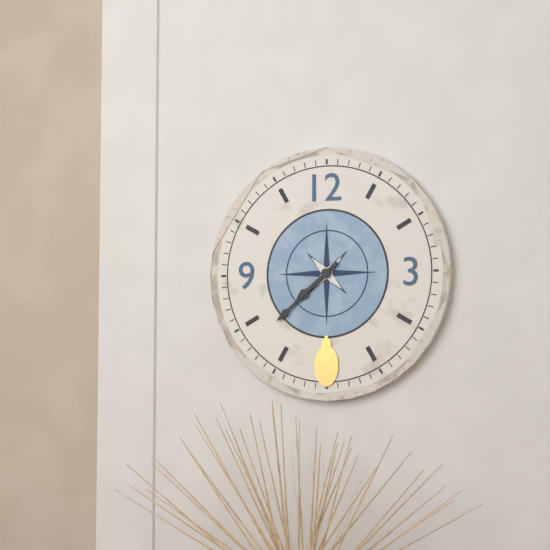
7:38
